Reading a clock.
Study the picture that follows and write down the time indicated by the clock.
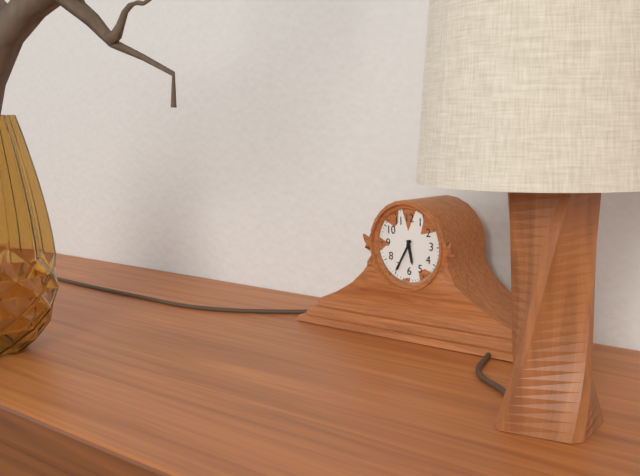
5:35
